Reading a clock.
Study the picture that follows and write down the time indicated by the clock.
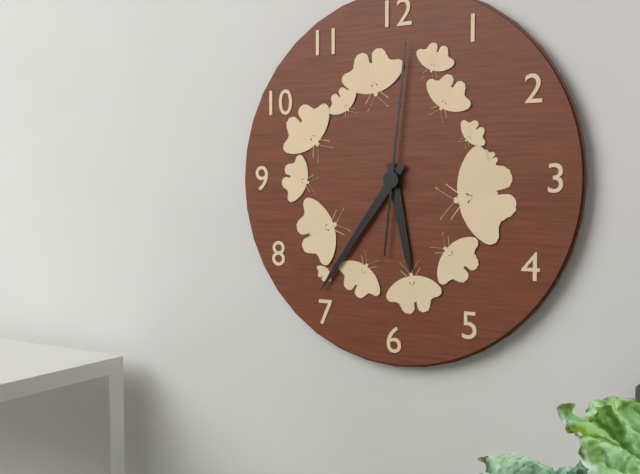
5:36:01
